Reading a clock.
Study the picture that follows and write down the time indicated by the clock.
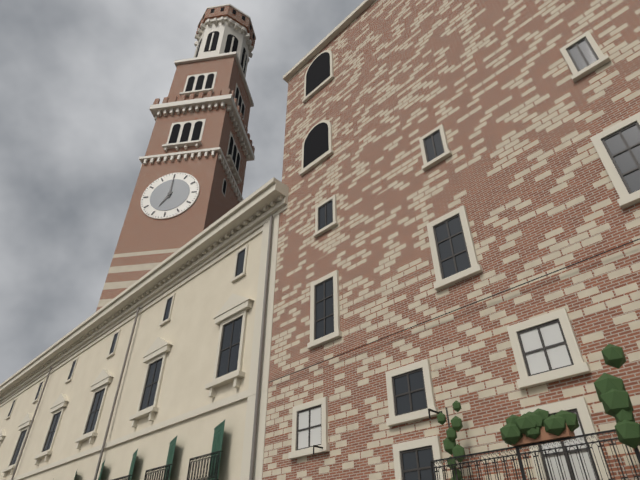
7:00
